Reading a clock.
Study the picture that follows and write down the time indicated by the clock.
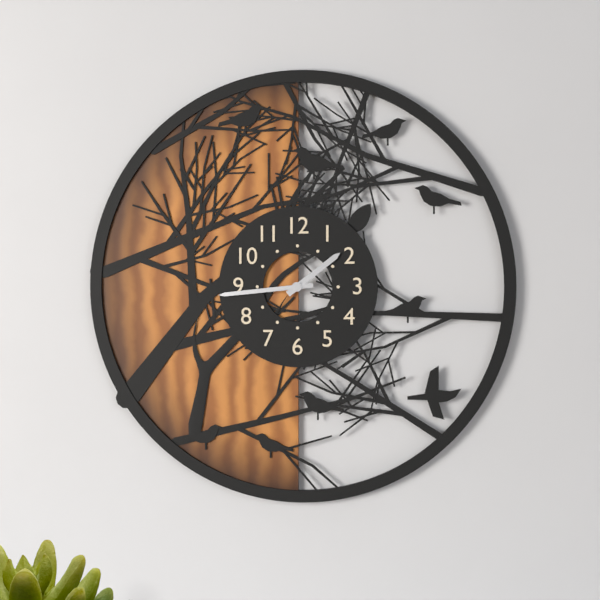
1:44
